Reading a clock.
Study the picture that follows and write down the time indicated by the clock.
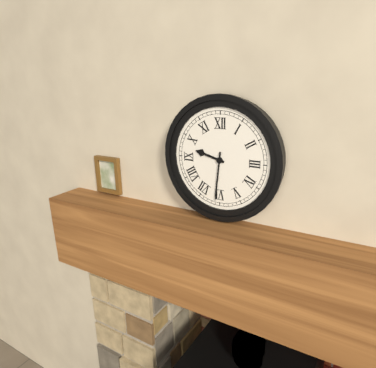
9:31
